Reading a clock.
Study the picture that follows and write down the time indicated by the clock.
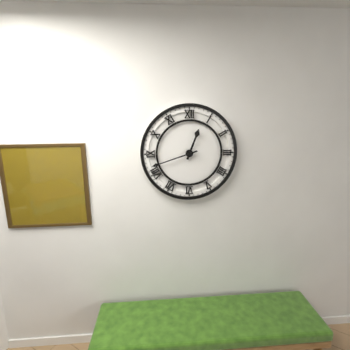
12:42
